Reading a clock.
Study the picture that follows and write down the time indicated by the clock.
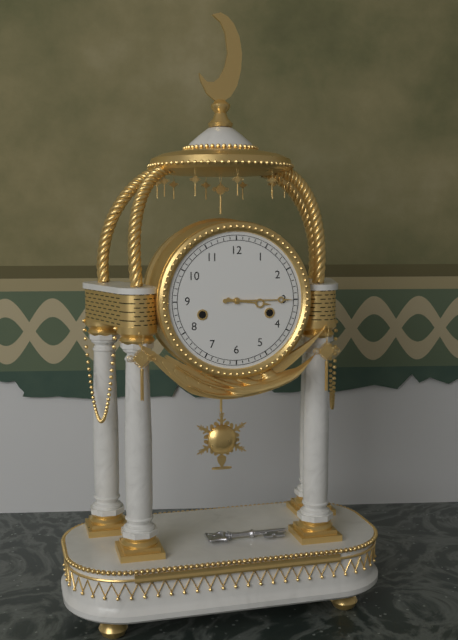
3:15
